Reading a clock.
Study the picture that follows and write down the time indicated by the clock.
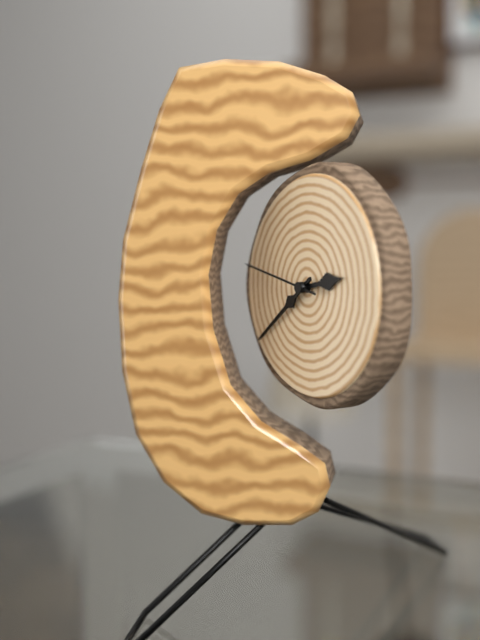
2:39:47
